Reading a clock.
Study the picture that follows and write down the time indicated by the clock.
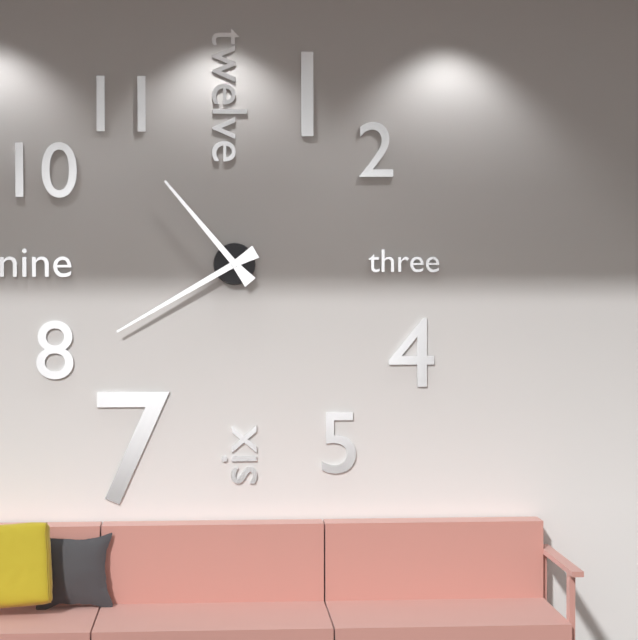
10:40
